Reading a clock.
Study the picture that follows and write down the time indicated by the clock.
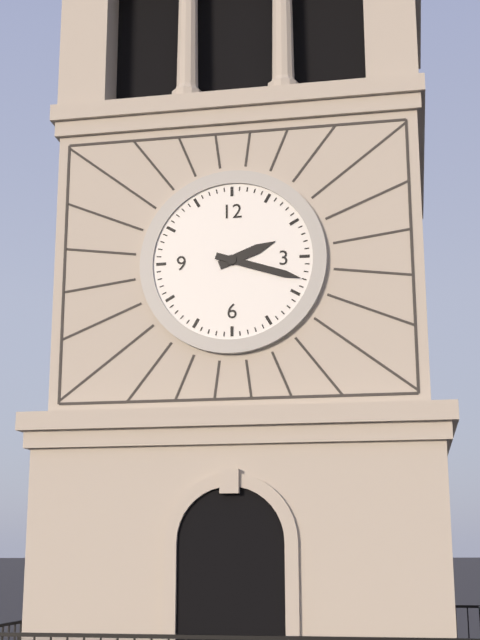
2:18
